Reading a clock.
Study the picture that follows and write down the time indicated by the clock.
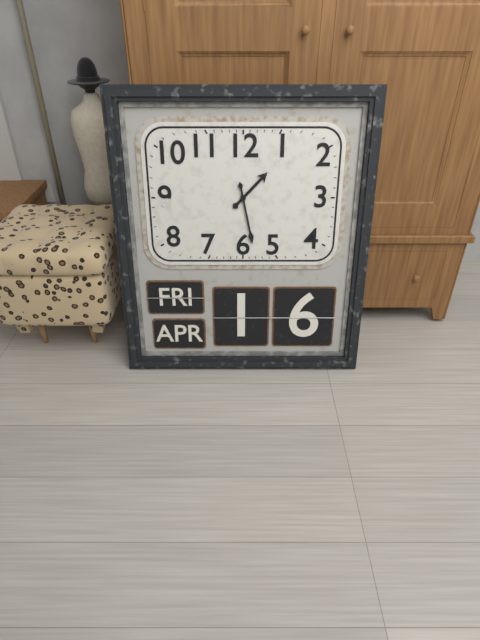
1:28
